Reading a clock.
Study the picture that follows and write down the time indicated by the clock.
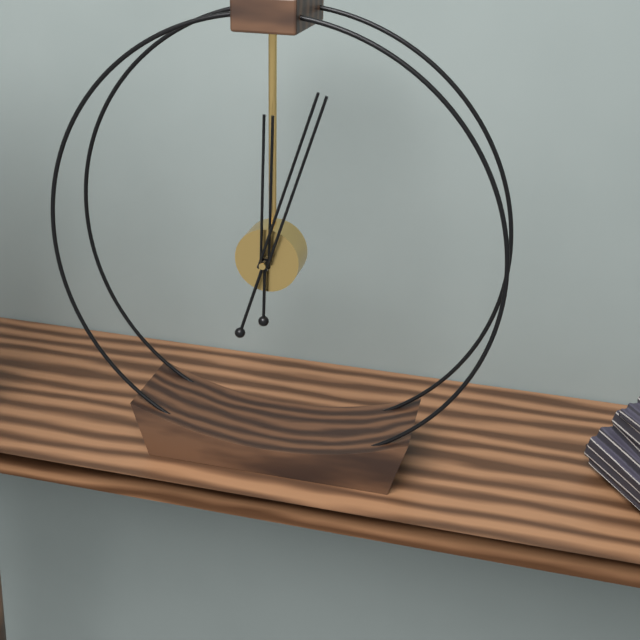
12:03
